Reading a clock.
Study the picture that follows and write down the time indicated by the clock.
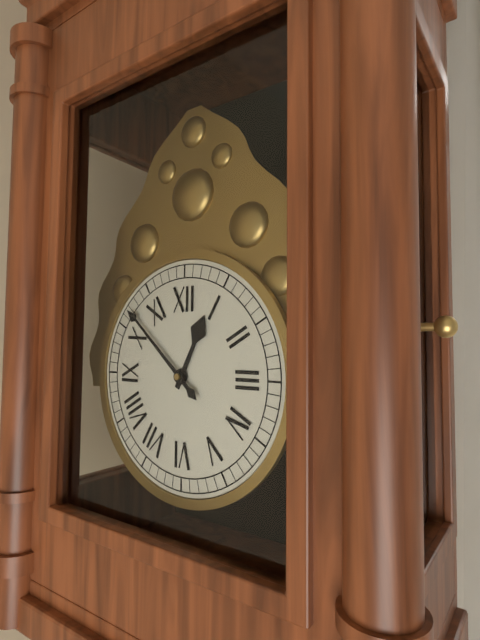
12:52
